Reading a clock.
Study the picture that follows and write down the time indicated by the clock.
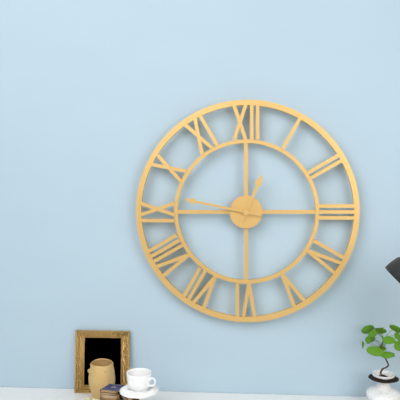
12:47
